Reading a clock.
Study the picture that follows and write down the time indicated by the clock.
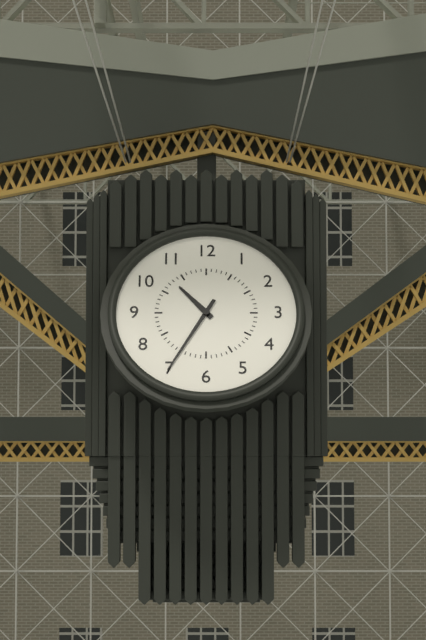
10:35
